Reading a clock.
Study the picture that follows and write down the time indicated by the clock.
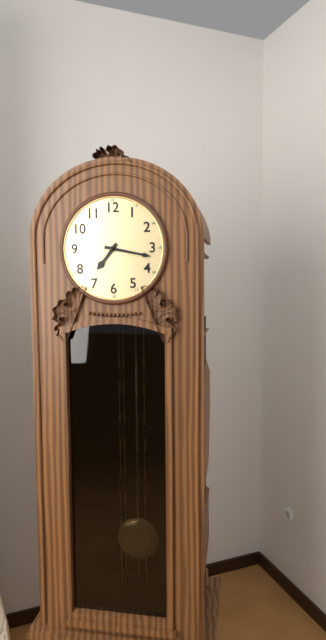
7:17
